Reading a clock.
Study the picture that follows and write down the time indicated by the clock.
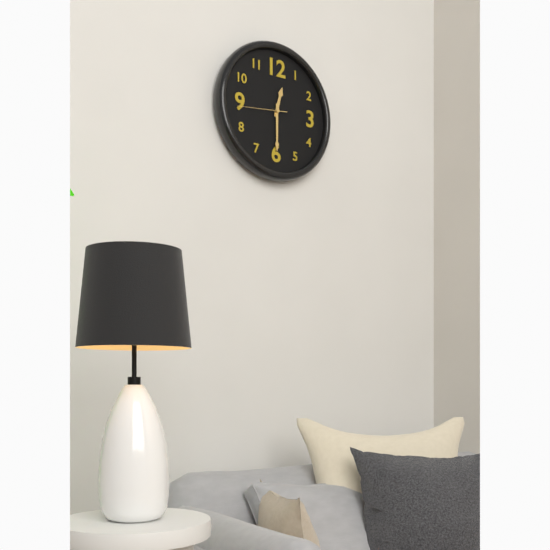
12:30:44
